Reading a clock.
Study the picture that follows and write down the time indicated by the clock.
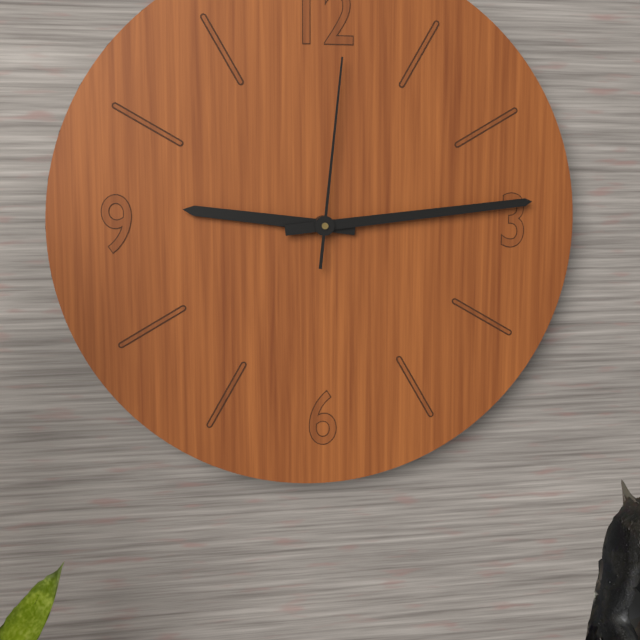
9:14:01
